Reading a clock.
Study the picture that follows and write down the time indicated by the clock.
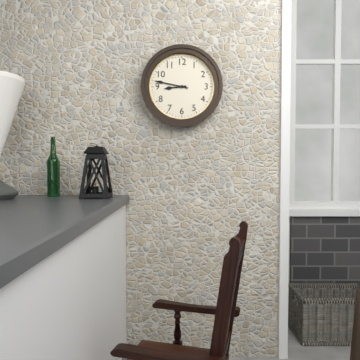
8:47
